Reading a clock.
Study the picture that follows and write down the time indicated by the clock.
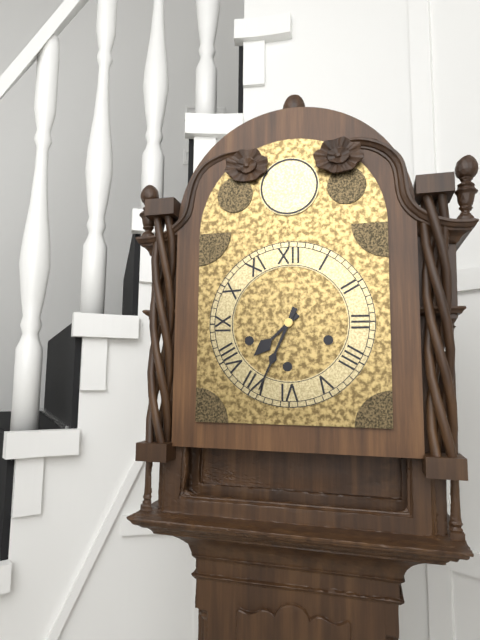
7:34
